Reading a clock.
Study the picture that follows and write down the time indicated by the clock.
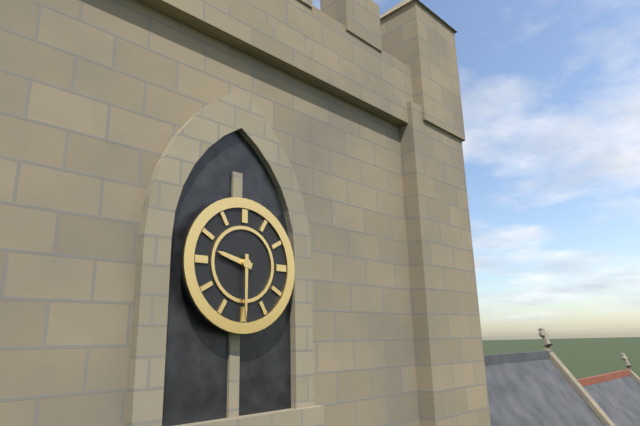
9:30
